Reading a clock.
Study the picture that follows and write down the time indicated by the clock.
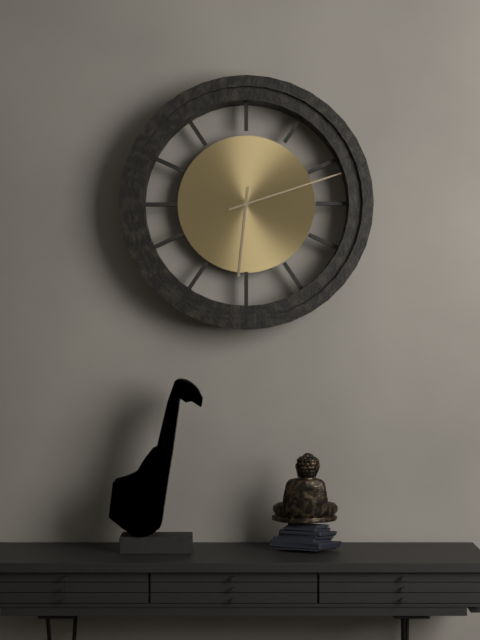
6:12
